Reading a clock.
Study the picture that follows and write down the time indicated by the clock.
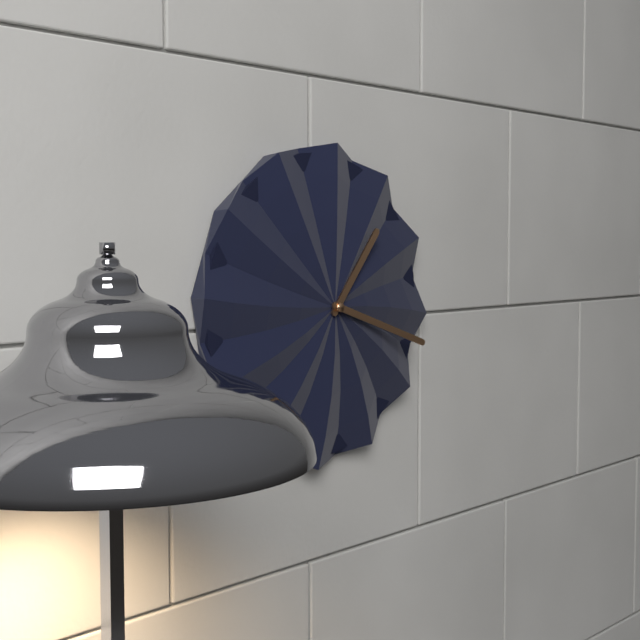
1:18
